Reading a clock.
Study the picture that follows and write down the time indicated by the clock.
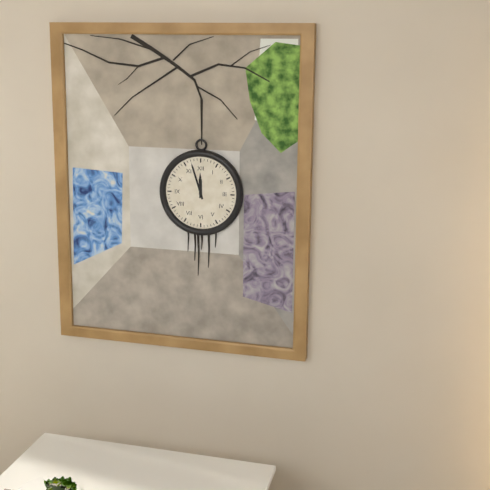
11:57
